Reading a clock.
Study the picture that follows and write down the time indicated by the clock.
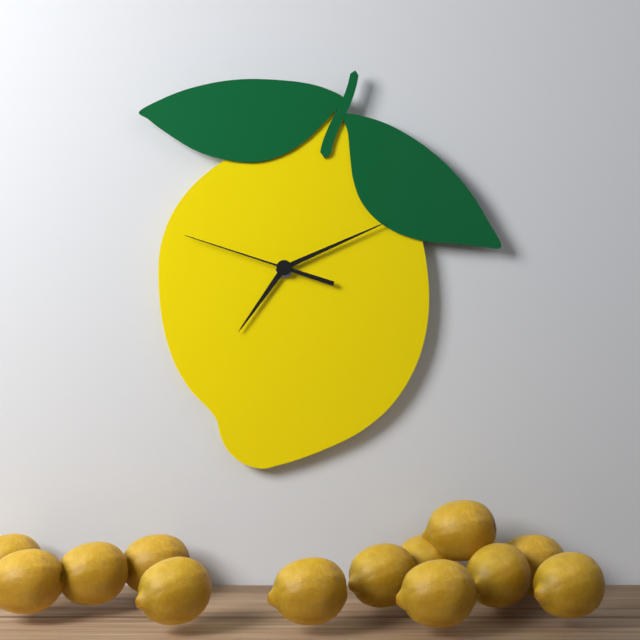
7:11:48
